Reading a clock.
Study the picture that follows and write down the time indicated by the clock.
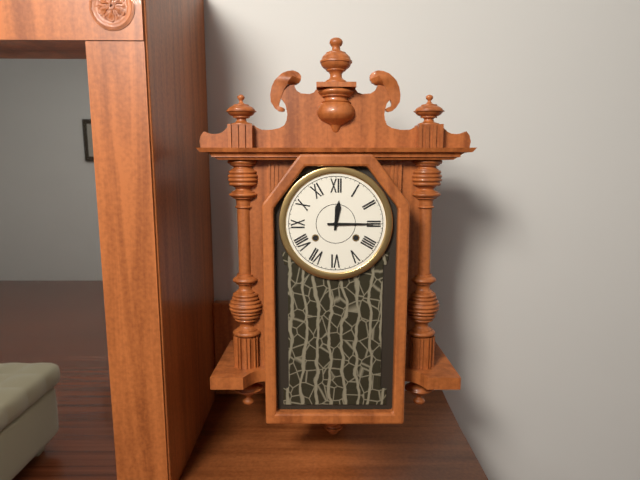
12:15
